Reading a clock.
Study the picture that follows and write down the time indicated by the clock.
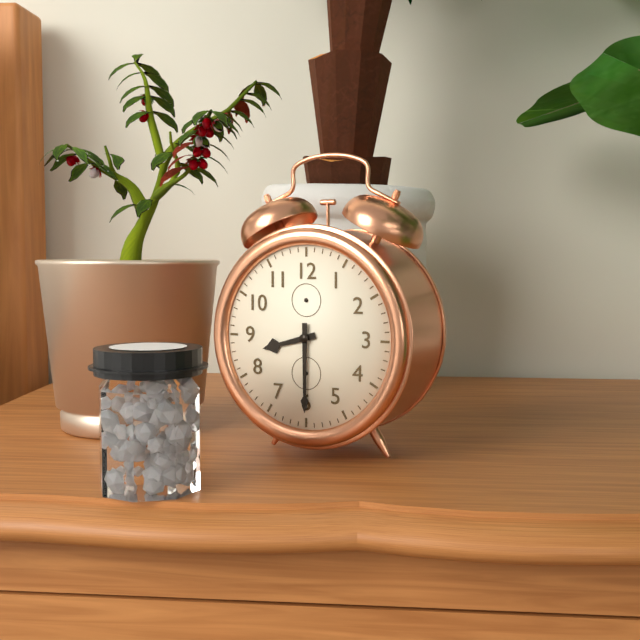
8:30
